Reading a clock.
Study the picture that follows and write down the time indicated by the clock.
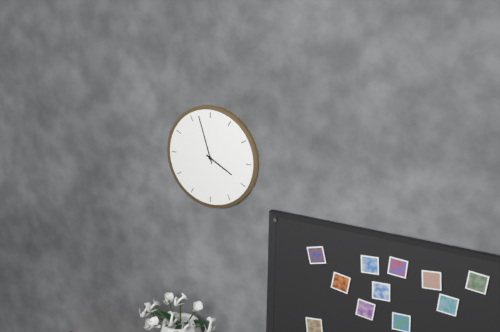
3:57
